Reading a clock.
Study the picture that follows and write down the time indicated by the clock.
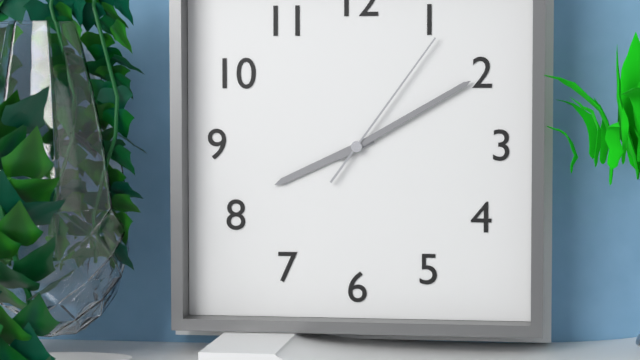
8:10:06
